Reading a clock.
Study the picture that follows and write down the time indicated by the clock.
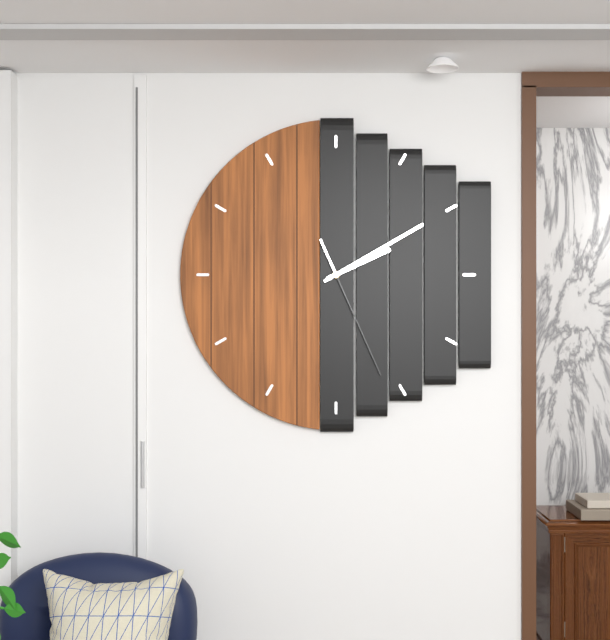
2:10:26
